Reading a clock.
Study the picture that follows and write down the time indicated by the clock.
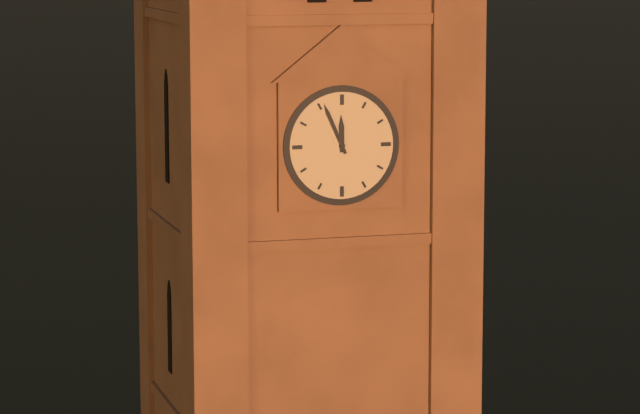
11:56
